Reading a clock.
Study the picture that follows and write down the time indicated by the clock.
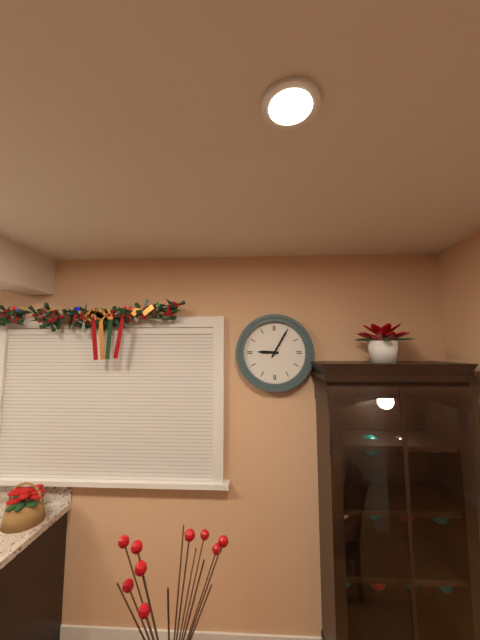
9:05
